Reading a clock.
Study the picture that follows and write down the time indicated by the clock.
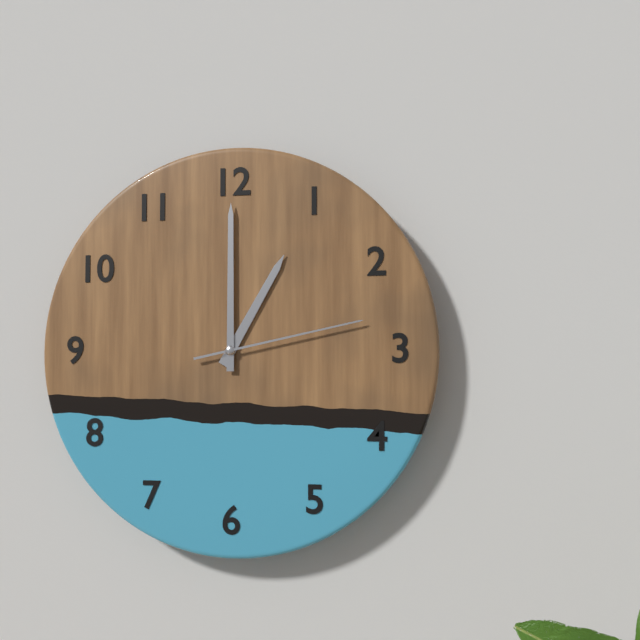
1:00:13
